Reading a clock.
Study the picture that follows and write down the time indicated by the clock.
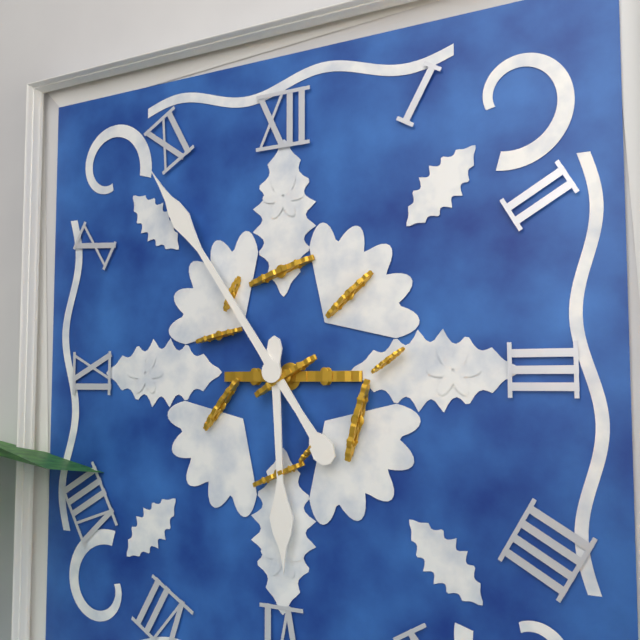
5:54
